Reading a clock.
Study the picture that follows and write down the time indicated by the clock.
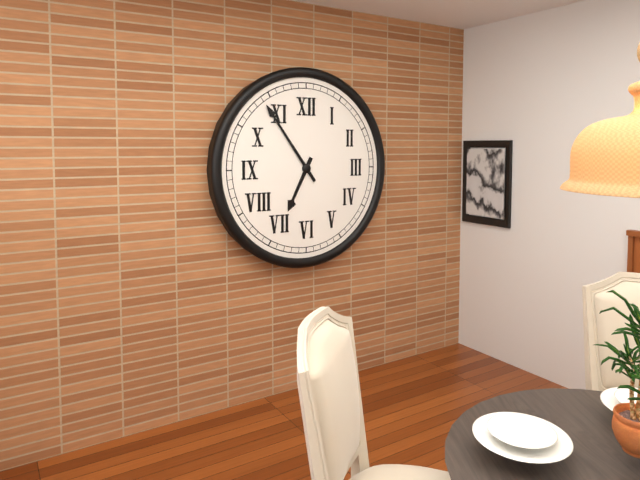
6:54
